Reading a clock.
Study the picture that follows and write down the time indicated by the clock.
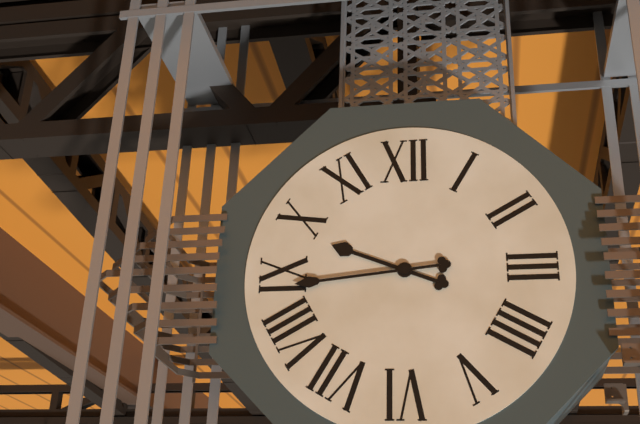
9:44
